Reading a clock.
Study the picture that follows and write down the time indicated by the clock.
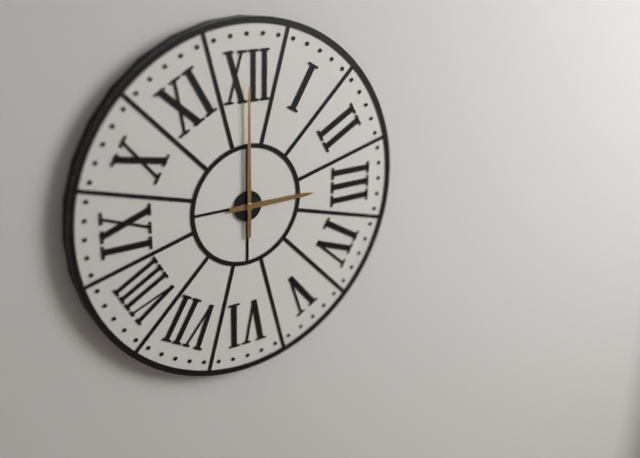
3:00
